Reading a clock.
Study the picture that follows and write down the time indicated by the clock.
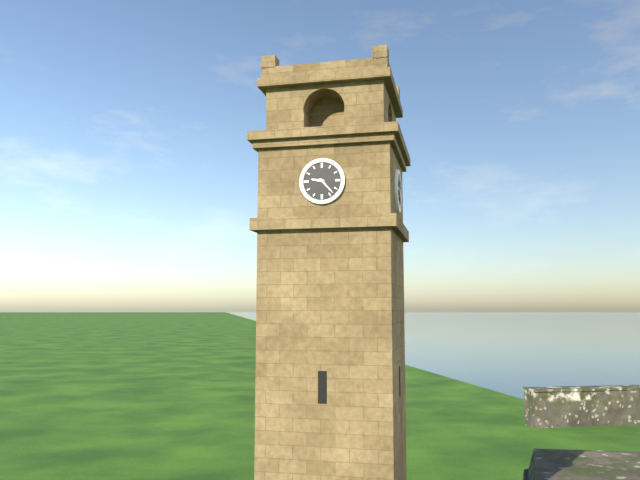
9:23
